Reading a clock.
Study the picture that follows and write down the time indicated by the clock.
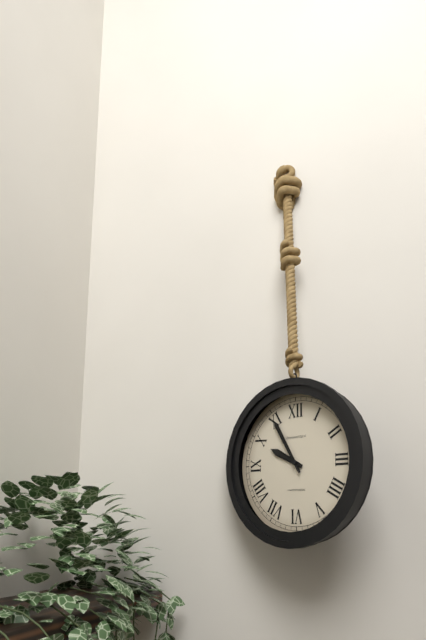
9:55
